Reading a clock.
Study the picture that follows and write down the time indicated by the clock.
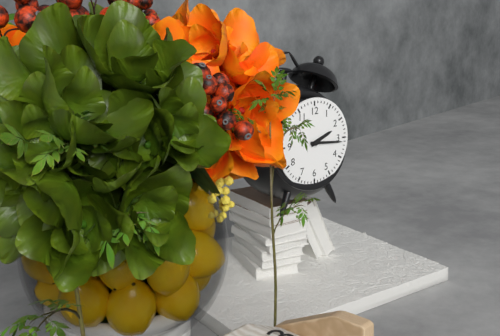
2:16
